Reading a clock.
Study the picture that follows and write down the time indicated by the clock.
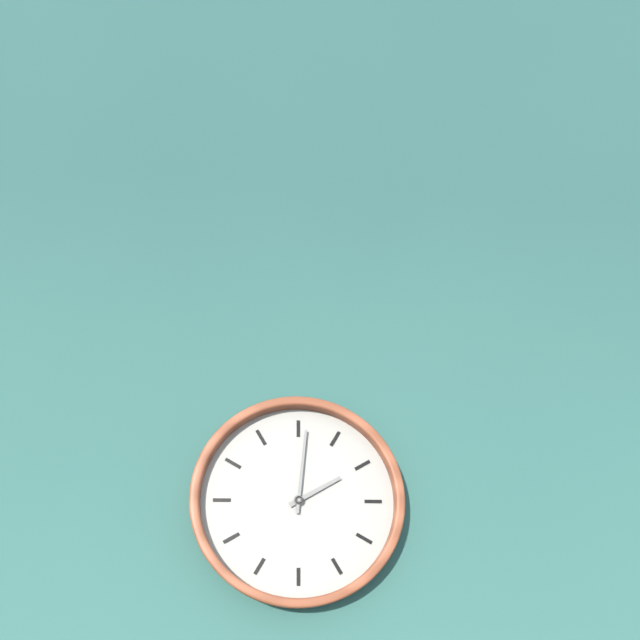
2:01
